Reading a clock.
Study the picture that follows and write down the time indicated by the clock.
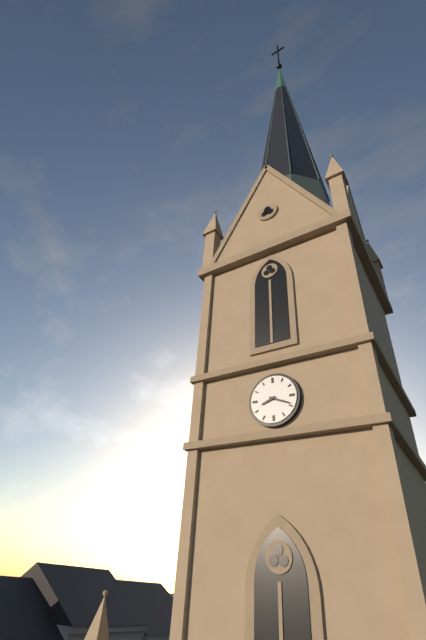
8:19
